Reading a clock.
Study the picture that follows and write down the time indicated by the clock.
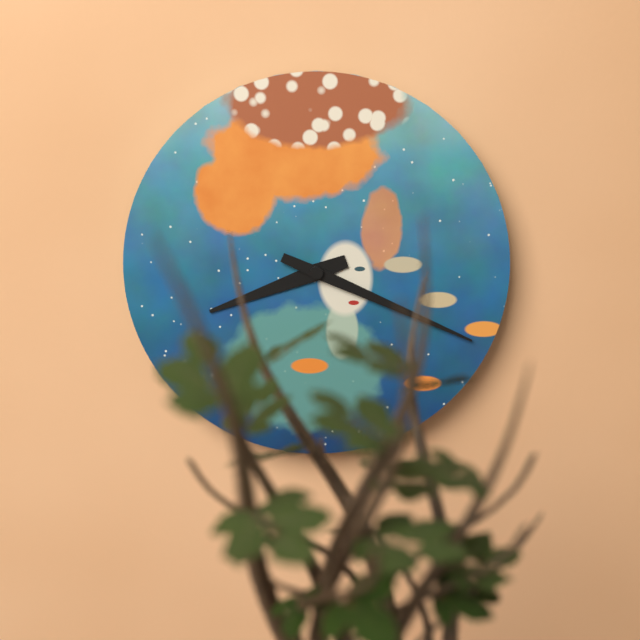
8:19
